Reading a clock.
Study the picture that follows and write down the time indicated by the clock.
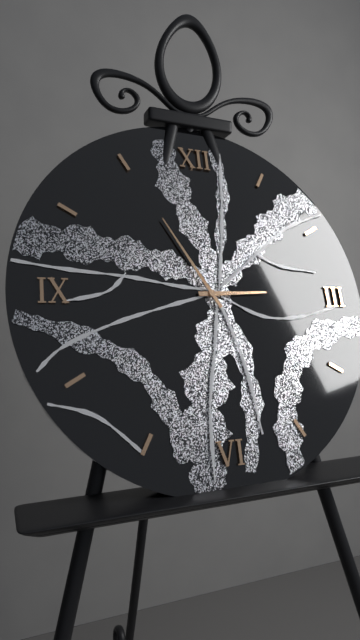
2:55
